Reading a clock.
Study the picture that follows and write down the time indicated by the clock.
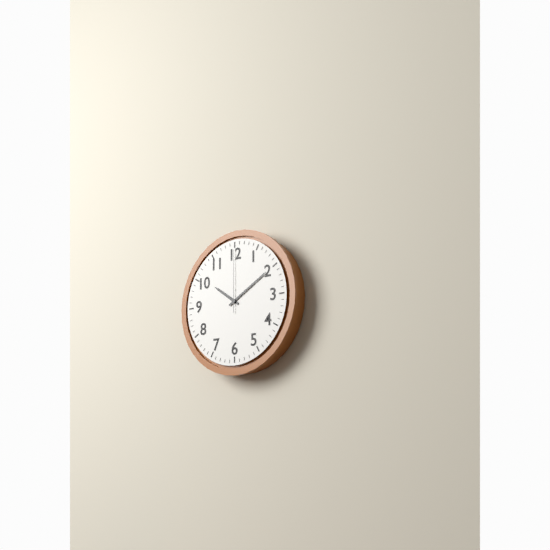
10:10:00
